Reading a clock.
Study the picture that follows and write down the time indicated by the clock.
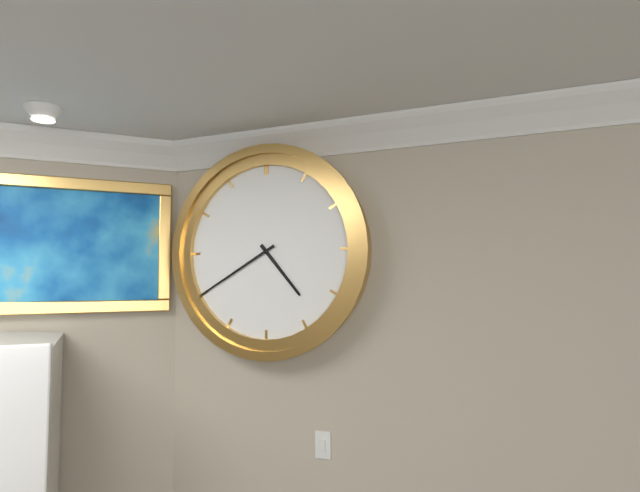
4:40
